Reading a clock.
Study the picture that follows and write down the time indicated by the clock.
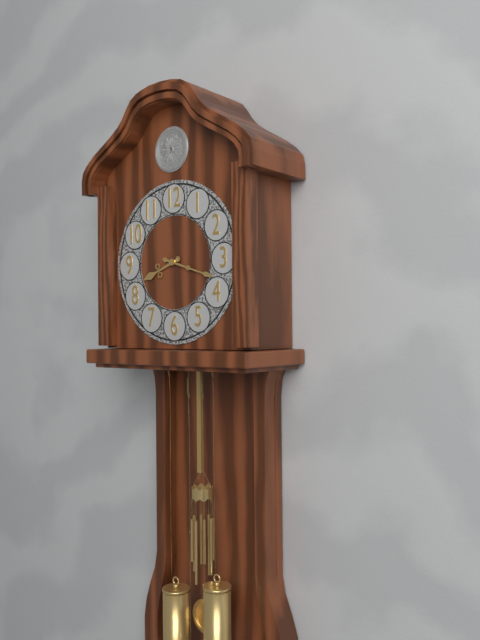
8:18
